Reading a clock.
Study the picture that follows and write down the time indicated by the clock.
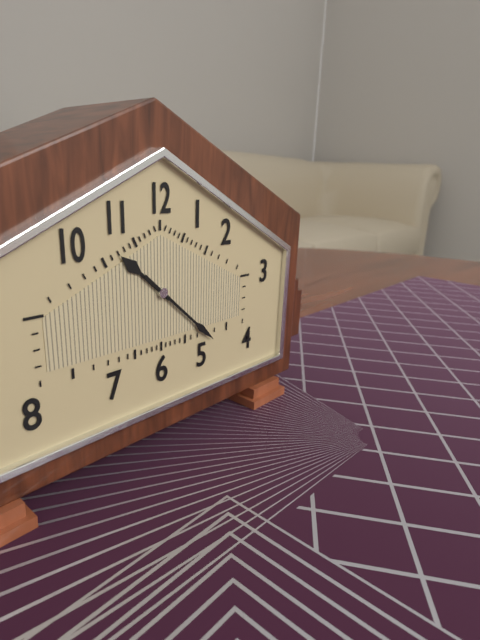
10:22
